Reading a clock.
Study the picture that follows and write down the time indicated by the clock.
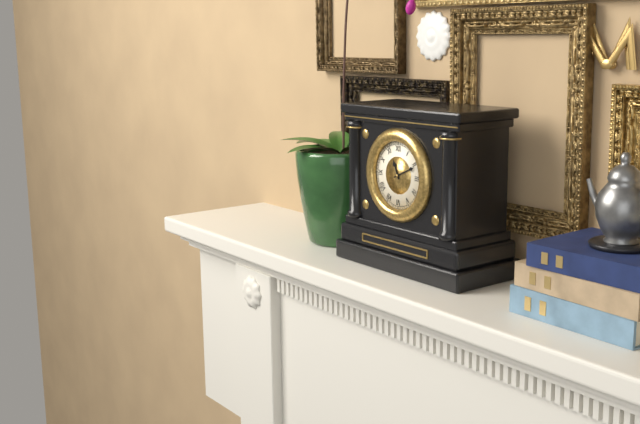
11:11
